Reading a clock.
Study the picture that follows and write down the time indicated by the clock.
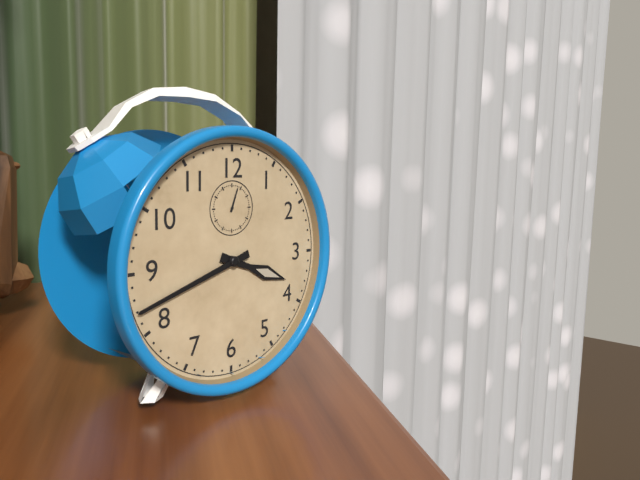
3:42
